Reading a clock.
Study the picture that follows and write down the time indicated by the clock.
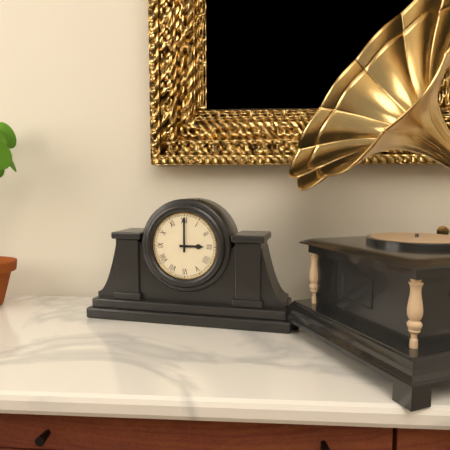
3:00
